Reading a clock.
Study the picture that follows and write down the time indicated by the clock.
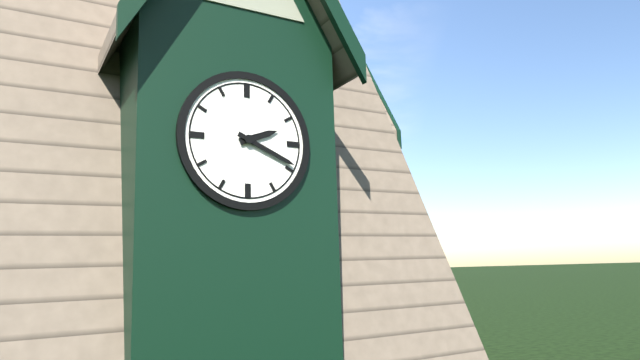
2:19
